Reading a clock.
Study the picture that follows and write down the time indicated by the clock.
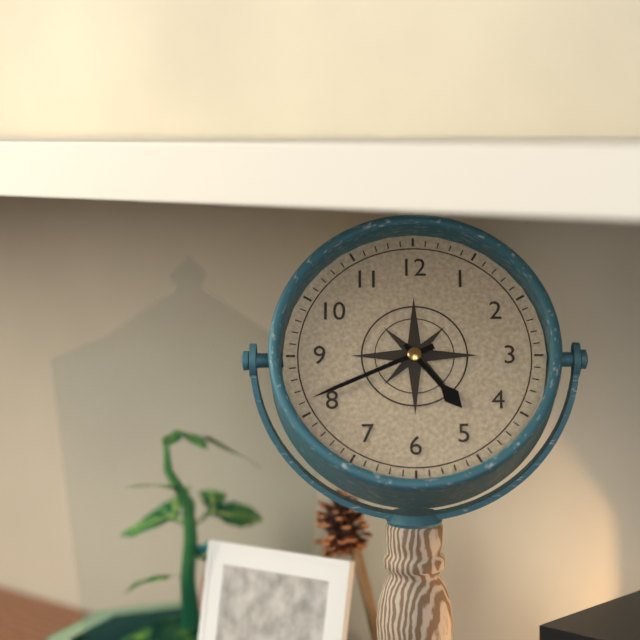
4:41
